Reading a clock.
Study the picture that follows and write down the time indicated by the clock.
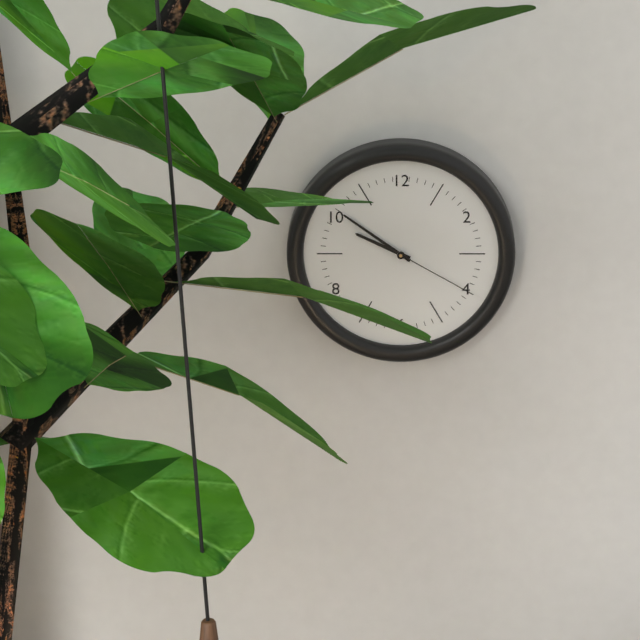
9:51:20
